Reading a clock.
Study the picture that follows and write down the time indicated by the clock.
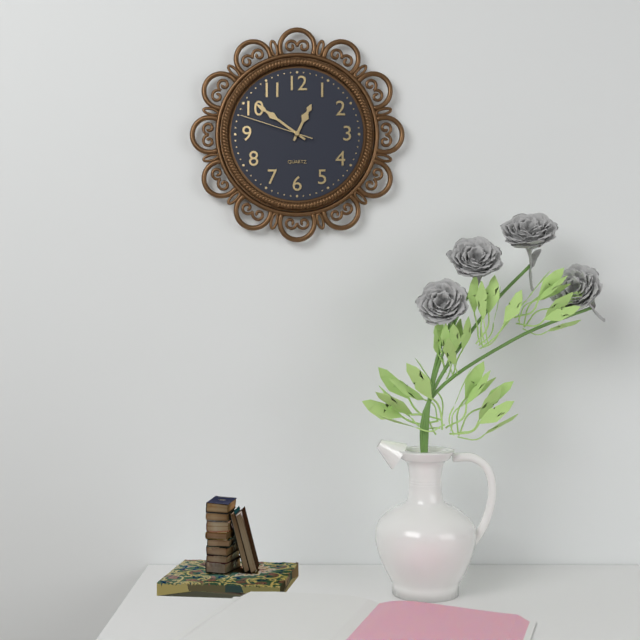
12:51:48
